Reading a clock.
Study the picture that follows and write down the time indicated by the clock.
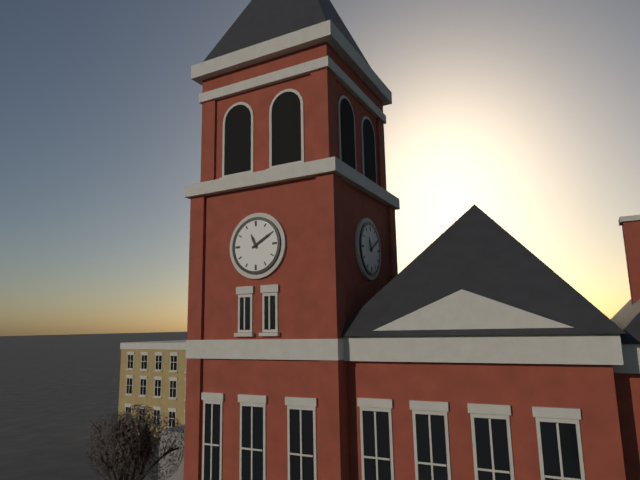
11:10
